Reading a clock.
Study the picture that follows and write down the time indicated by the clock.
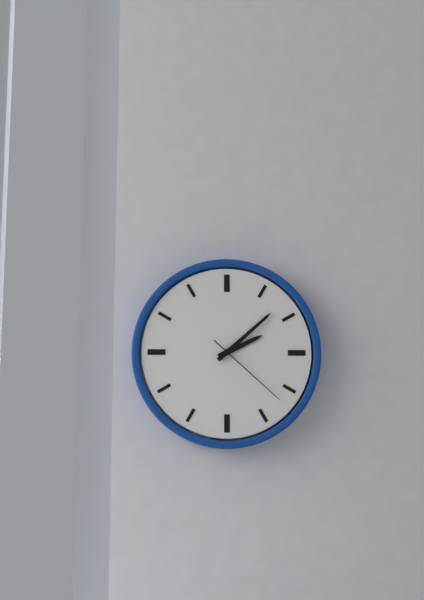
2:08:22
